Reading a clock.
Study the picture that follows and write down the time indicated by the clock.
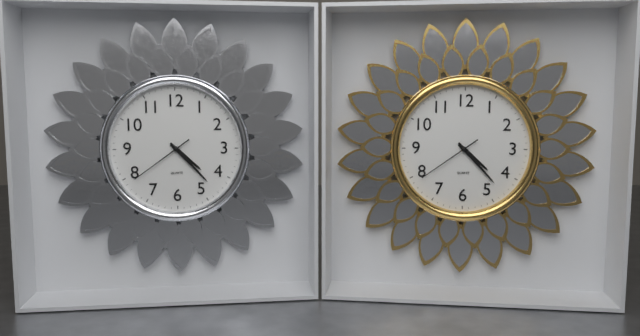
4:23:39
